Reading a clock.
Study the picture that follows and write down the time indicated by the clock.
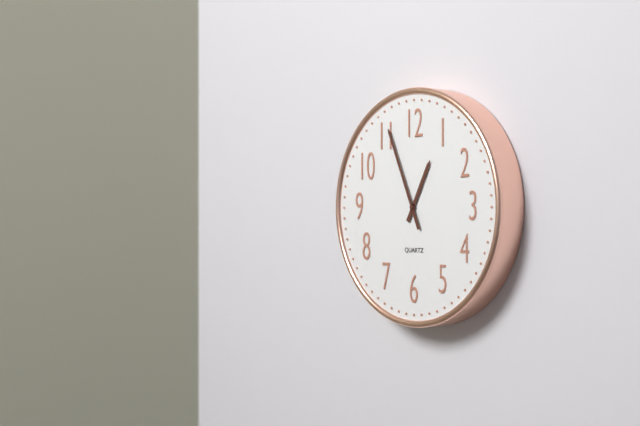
12:56
